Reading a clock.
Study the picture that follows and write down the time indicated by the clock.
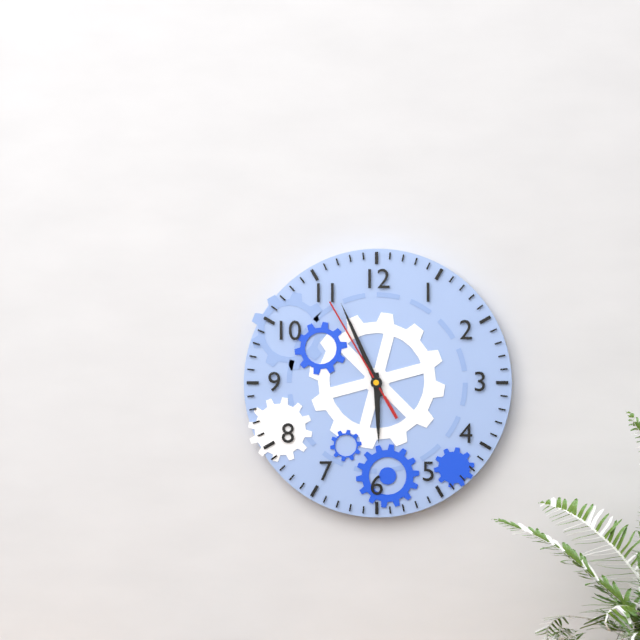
5:56:55
